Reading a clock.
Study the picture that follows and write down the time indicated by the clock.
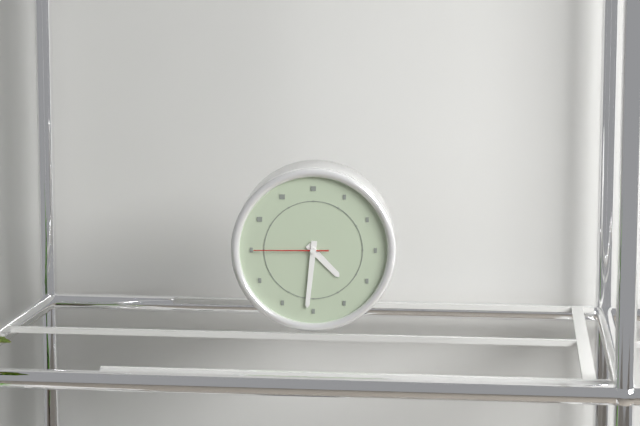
4:31:45
